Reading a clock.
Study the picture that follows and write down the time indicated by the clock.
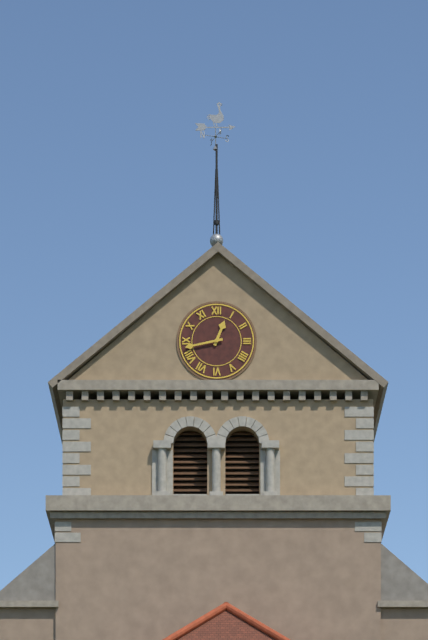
12:43
